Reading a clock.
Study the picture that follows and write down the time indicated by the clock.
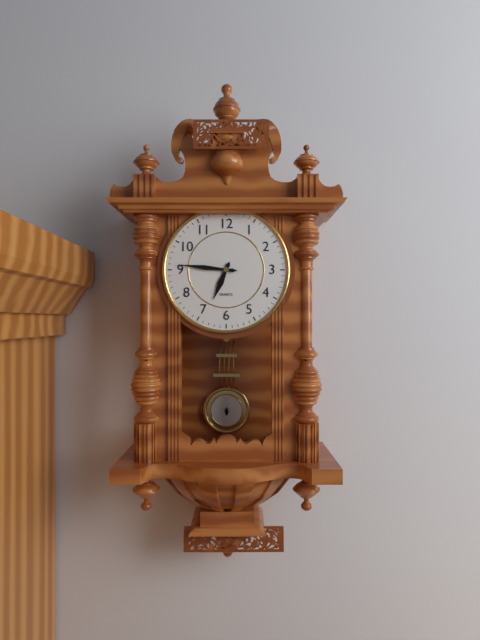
6:46
